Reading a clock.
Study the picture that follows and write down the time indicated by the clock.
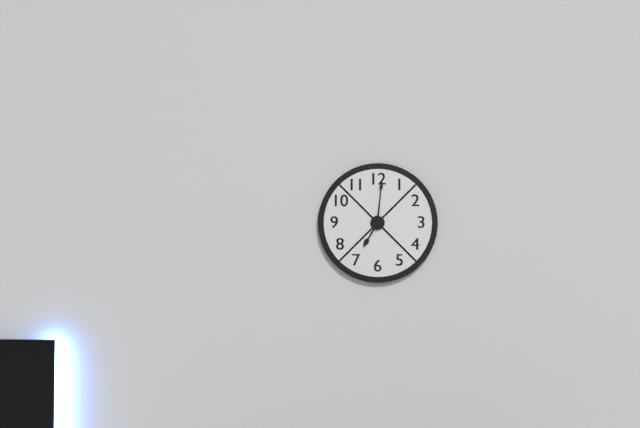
7:01
